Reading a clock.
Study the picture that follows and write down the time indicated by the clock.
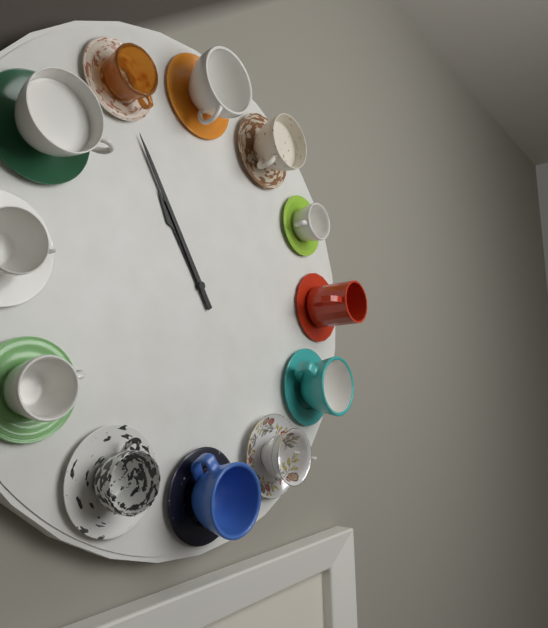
10:55
